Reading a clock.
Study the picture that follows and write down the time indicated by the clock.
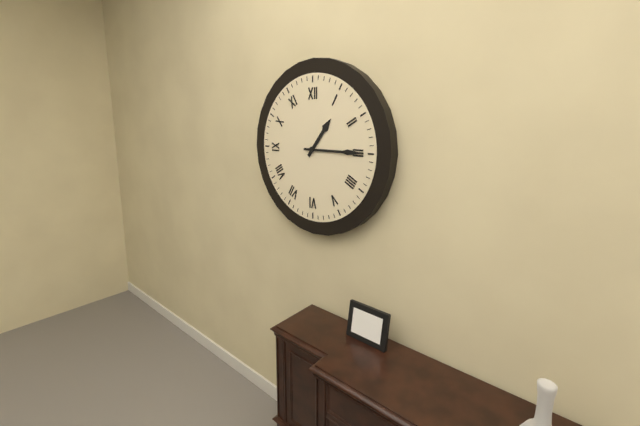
1:15
